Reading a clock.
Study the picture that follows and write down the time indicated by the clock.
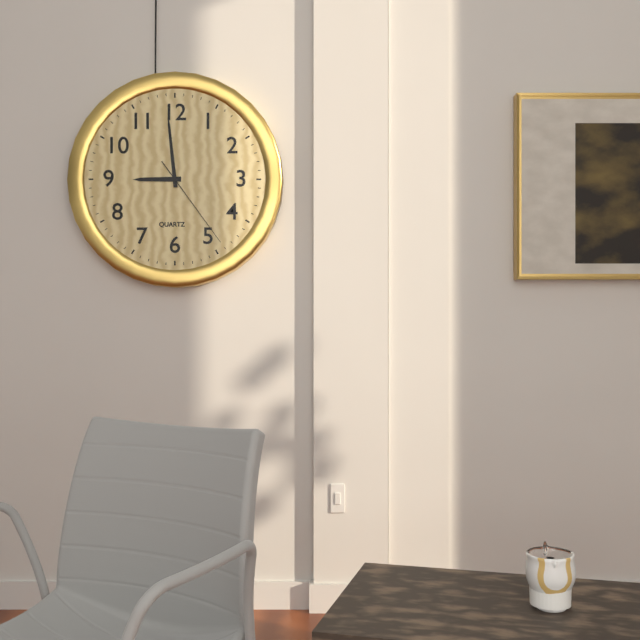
8:59:24
